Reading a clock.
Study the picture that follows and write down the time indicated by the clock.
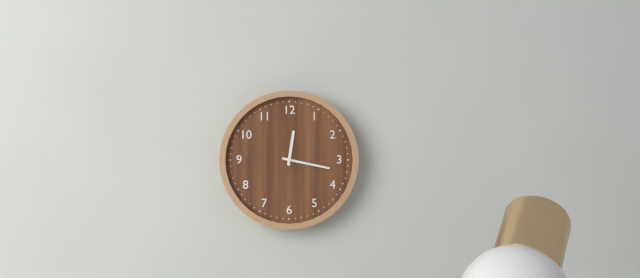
12:17
